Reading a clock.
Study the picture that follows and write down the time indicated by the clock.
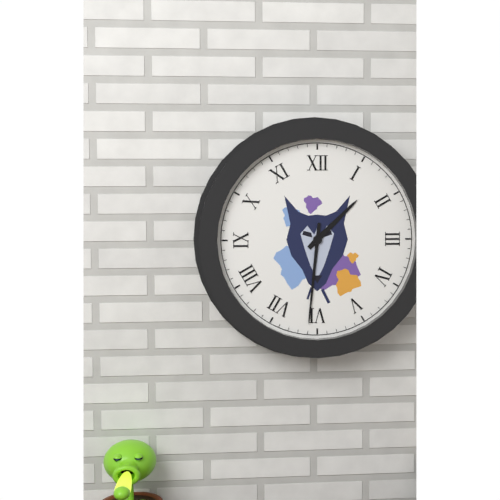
1:31
